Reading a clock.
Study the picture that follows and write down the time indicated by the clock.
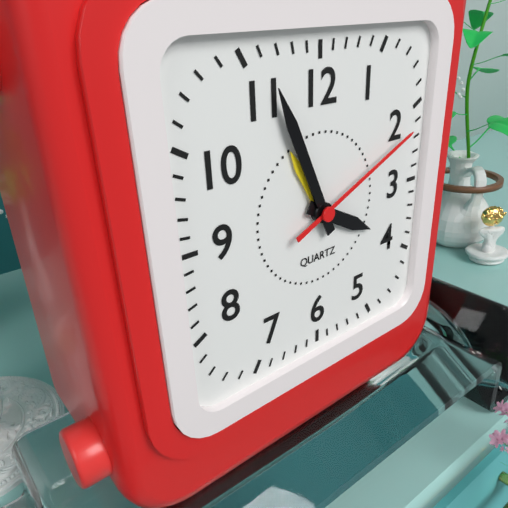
3:56:11
